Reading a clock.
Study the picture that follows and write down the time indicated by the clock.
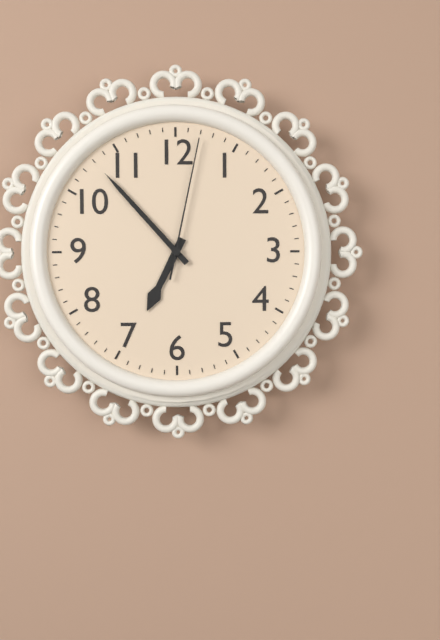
6:53:02
